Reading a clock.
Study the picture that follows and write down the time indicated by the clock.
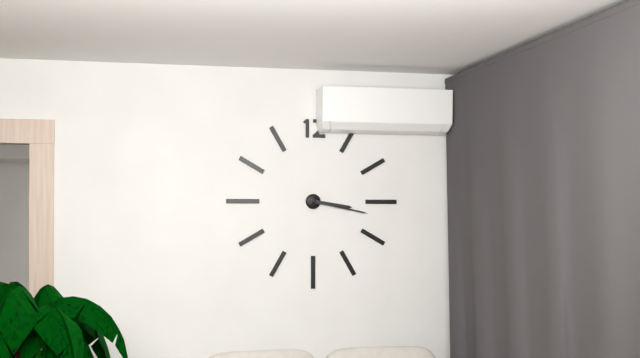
3:17
